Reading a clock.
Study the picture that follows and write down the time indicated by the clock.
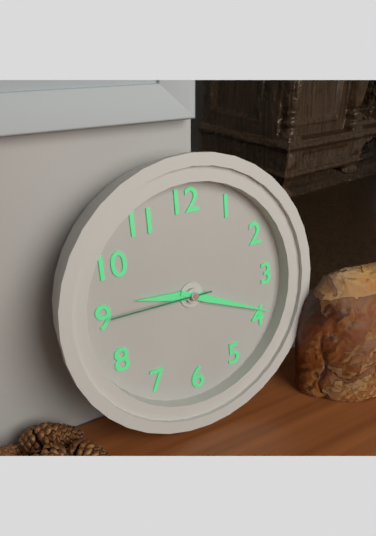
9:19:45
